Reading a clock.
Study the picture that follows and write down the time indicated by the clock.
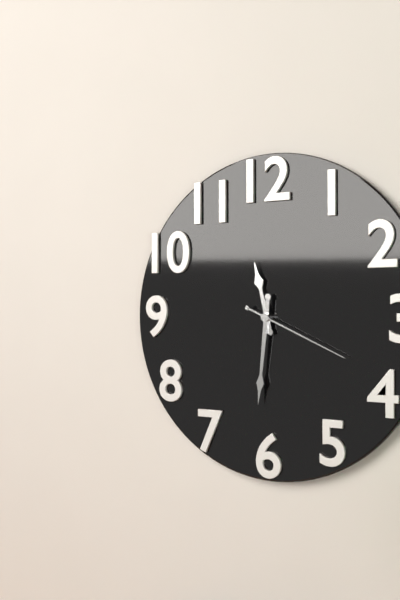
11:31:19
